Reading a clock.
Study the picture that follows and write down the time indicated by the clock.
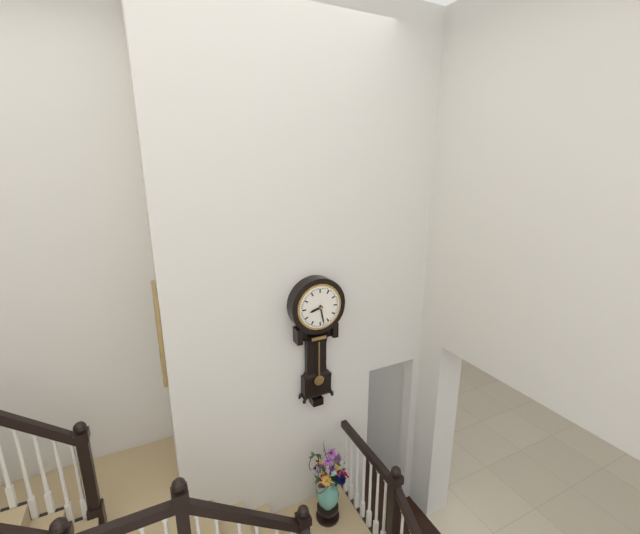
8:28
